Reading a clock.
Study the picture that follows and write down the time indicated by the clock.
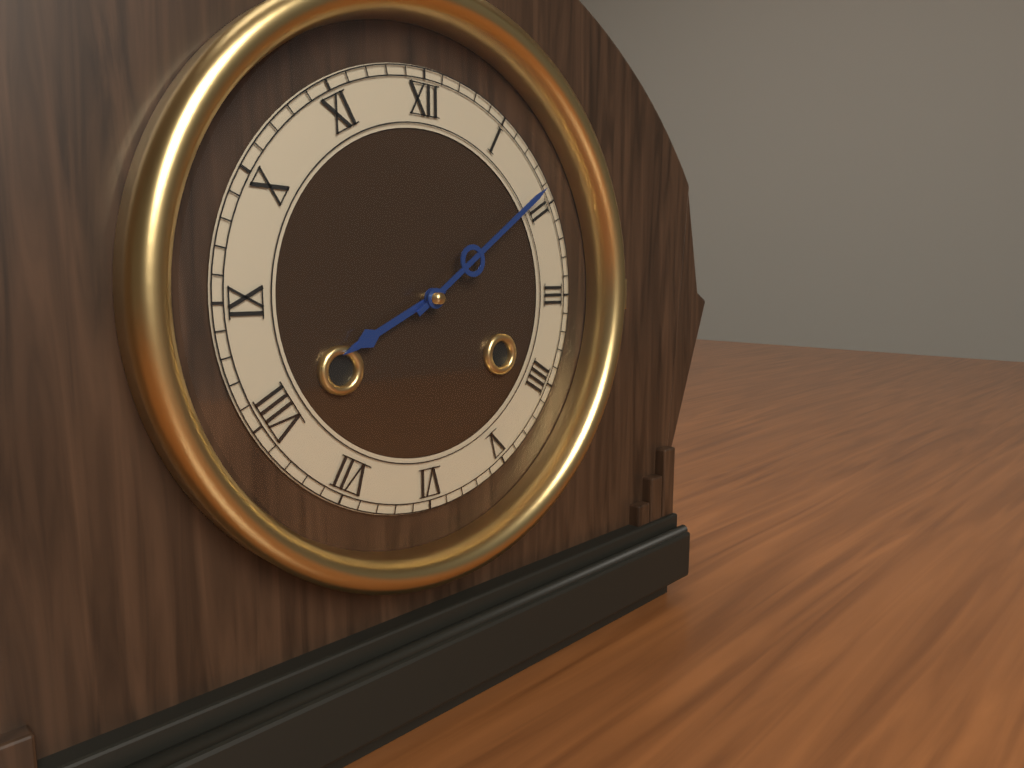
8:09
